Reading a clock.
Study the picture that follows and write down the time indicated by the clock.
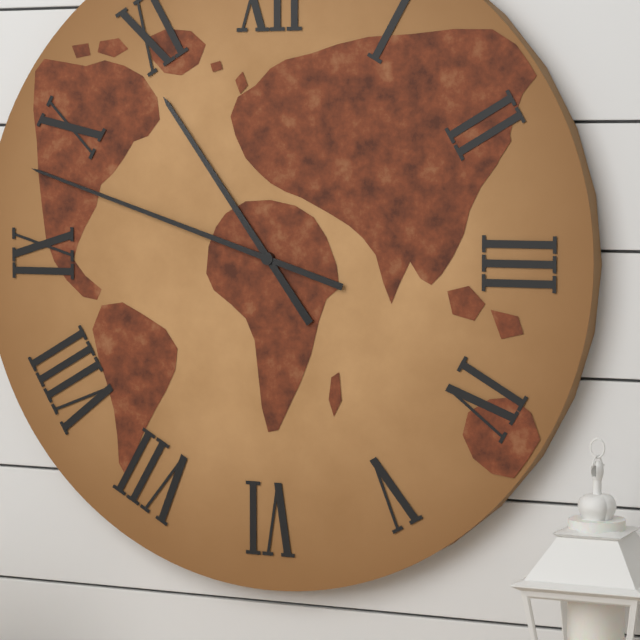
10:48
